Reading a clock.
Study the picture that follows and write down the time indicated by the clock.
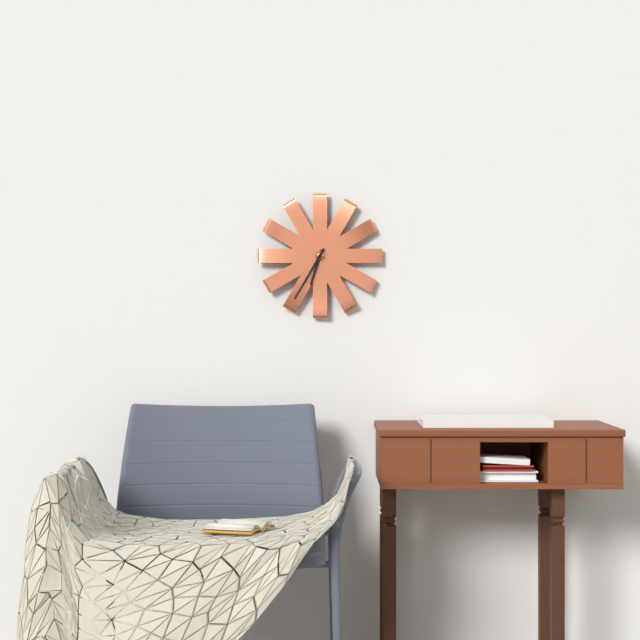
6:35
